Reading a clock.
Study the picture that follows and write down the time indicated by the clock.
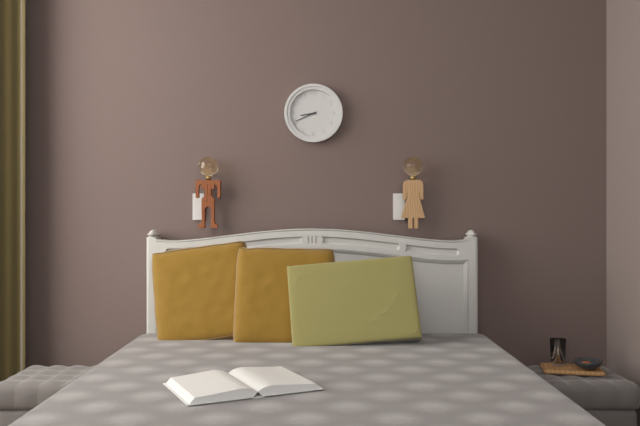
8:41
